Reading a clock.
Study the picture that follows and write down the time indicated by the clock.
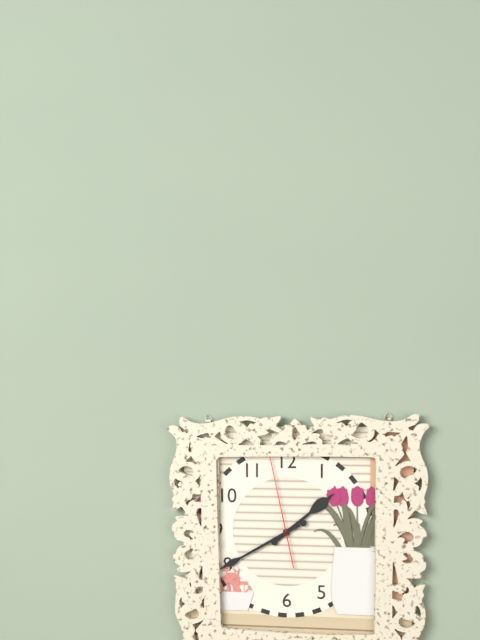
1:40:58
